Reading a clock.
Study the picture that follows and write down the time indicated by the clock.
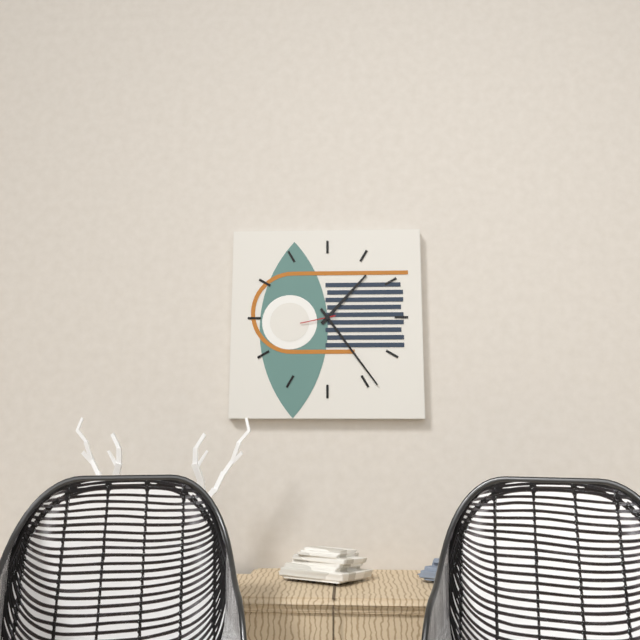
1:24
